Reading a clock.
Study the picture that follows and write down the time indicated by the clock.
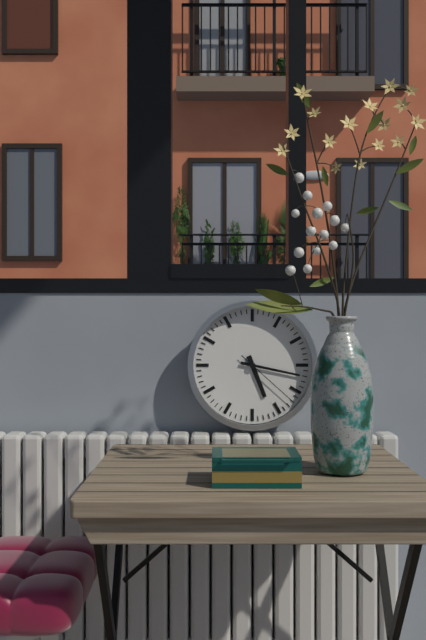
5:17:22
